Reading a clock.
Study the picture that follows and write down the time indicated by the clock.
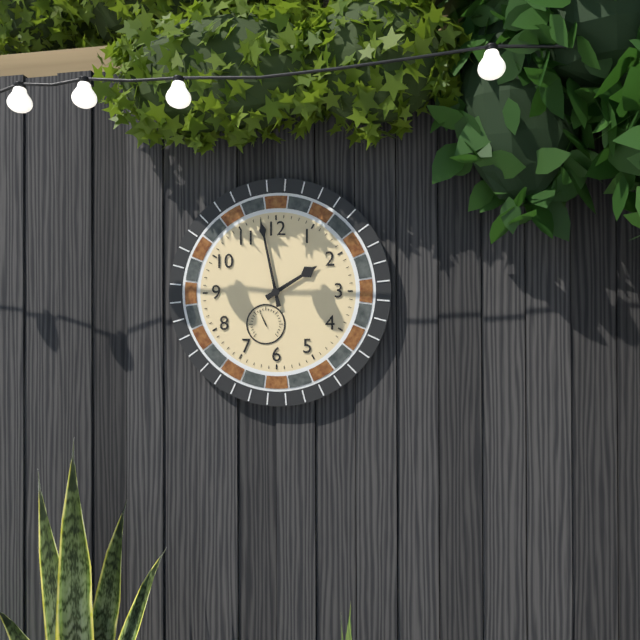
1:58
